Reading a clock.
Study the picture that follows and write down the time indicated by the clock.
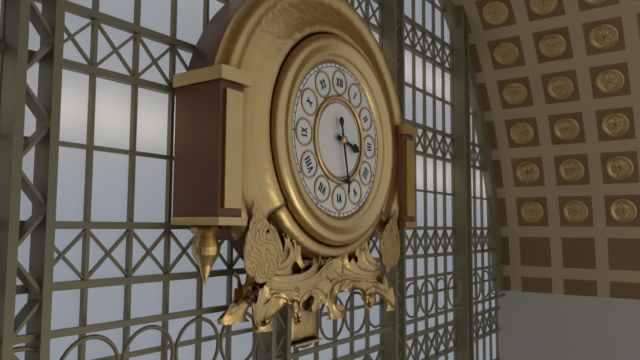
3:28
